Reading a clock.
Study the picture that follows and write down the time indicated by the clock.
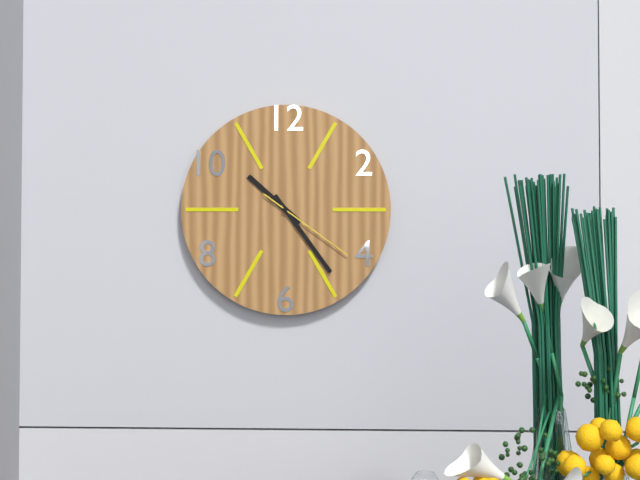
10:24:21
